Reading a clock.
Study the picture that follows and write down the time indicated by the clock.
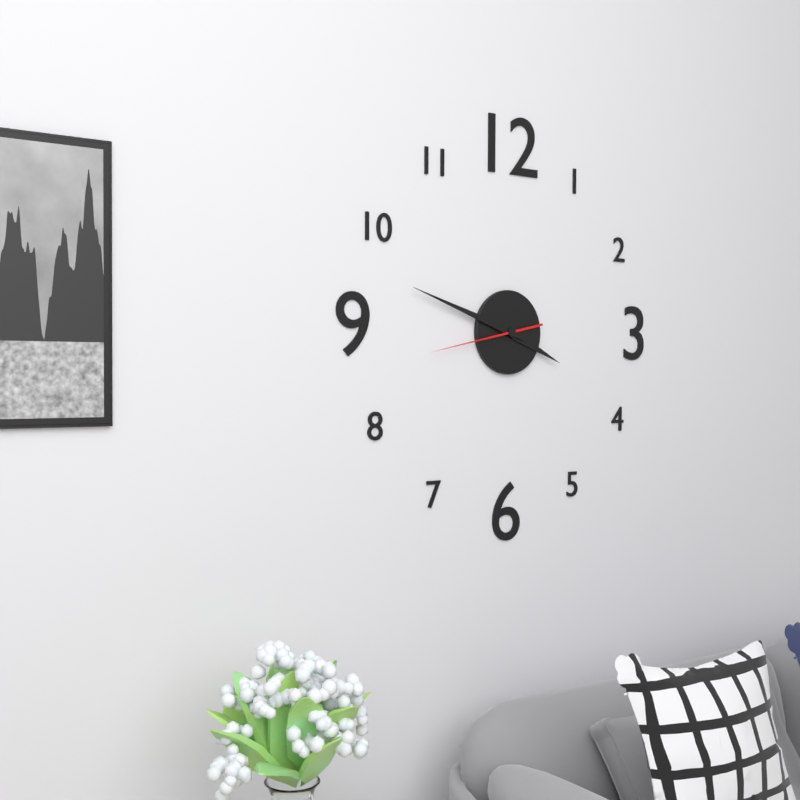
3:48:43
